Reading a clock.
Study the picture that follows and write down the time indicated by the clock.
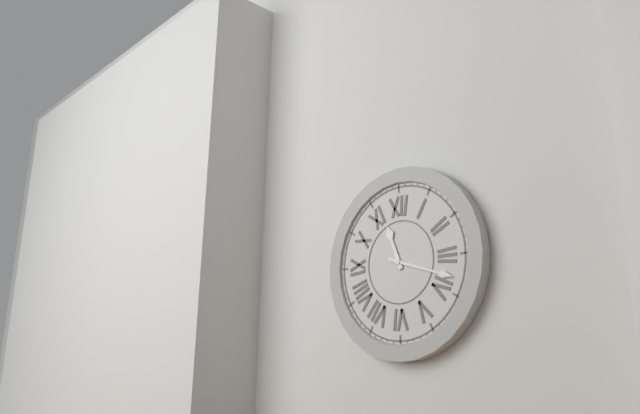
11:18
